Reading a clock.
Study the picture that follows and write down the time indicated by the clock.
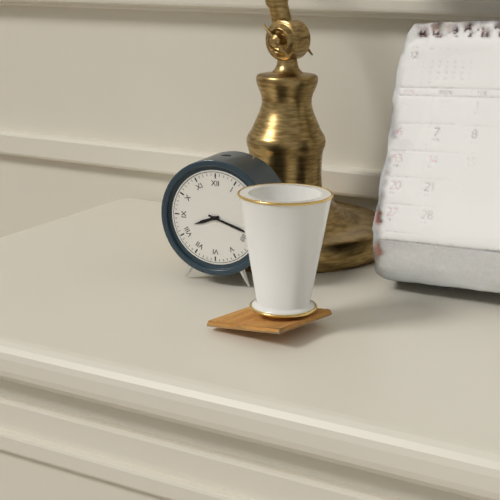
8:18
